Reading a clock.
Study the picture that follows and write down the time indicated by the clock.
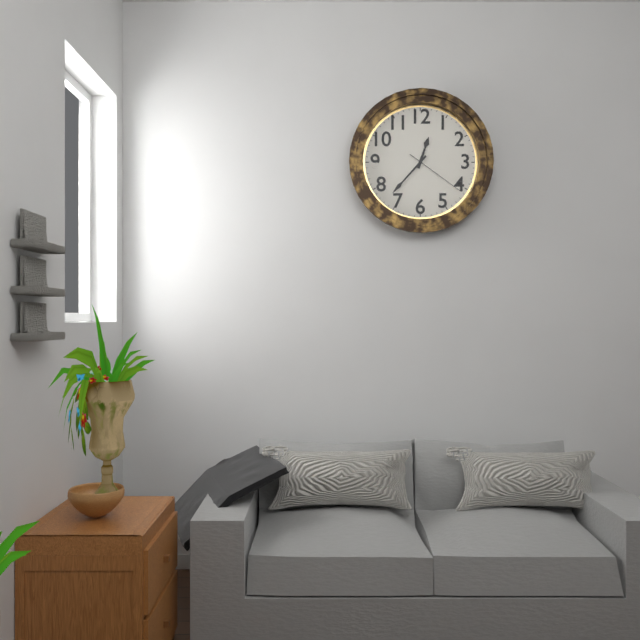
12:37:21
